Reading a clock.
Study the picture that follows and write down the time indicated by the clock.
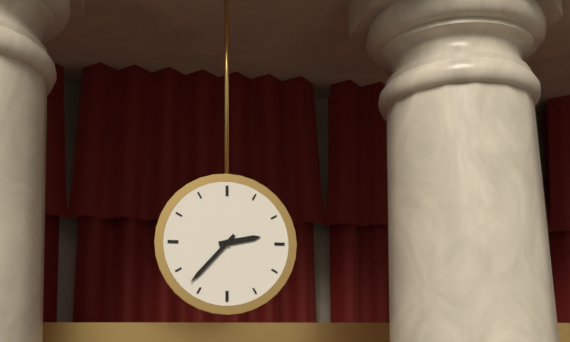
2:37
